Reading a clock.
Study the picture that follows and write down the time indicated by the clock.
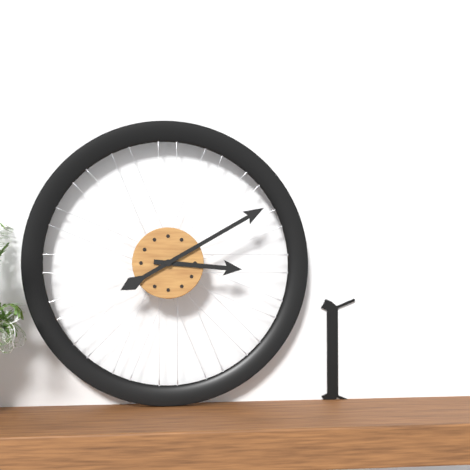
3:10
